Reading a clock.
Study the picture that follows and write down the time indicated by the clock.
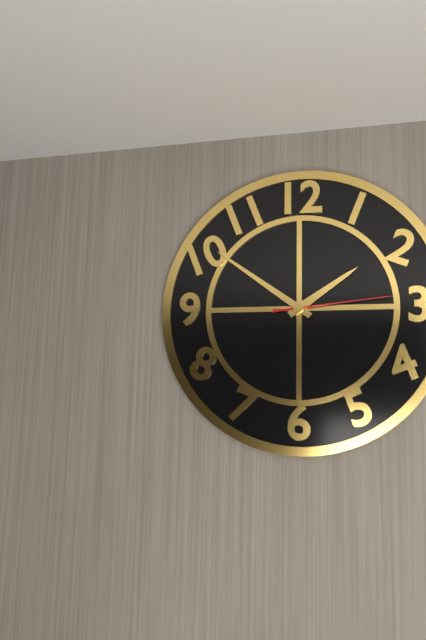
1:51:14
